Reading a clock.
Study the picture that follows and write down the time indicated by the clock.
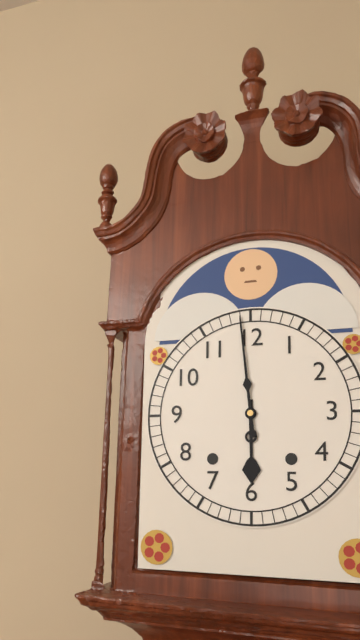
5:59
